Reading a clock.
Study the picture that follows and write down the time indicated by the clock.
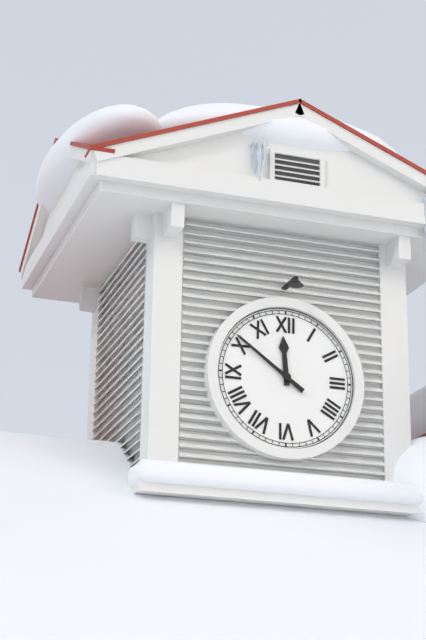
11:51
